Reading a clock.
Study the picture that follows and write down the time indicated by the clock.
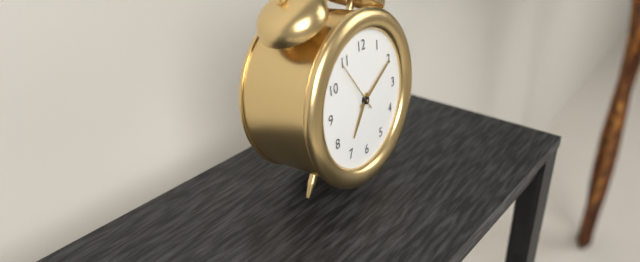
7:10
